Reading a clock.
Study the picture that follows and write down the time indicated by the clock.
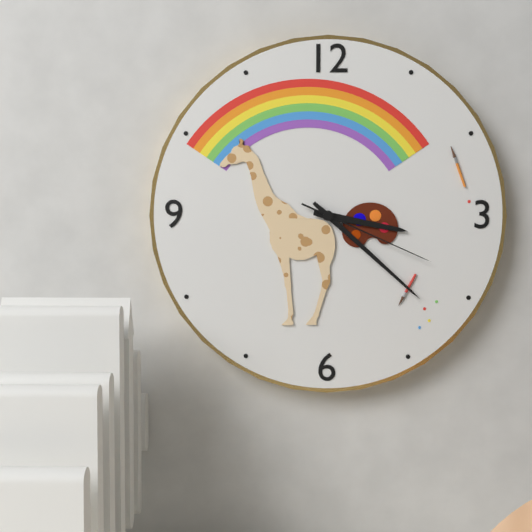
3:22:19
